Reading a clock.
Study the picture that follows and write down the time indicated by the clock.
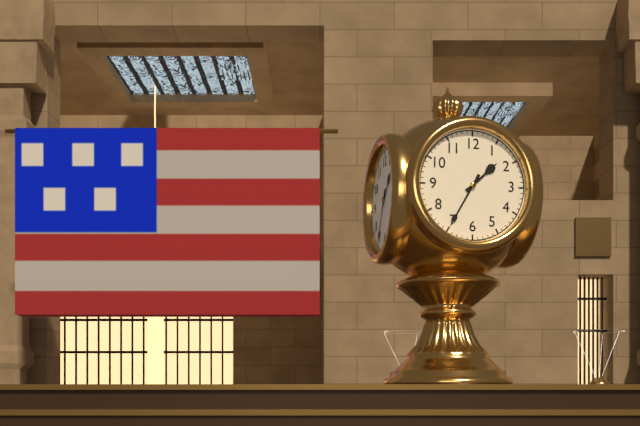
1:35
